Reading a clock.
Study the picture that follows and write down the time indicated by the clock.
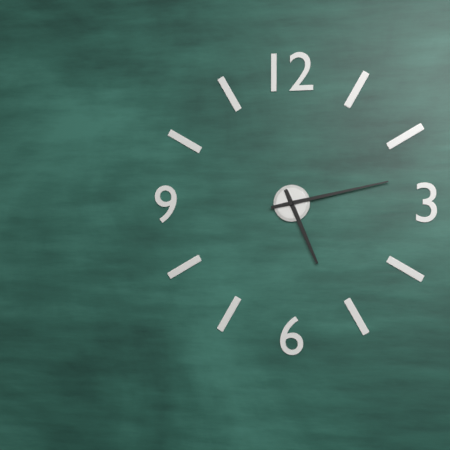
5:13
